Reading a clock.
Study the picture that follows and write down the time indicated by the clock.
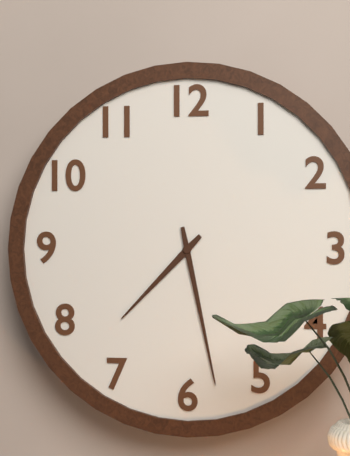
7:28
